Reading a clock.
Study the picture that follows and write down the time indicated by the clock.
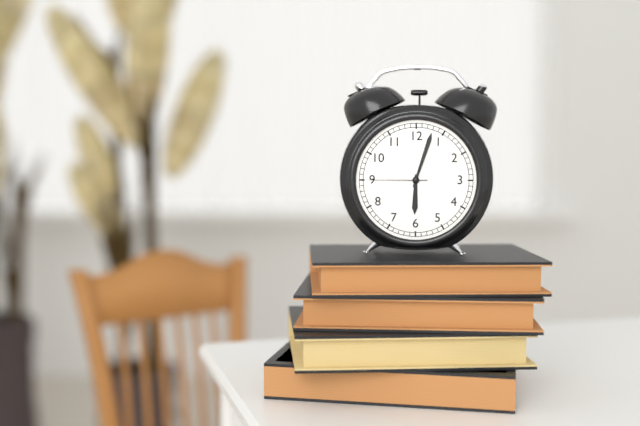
6:03:45
